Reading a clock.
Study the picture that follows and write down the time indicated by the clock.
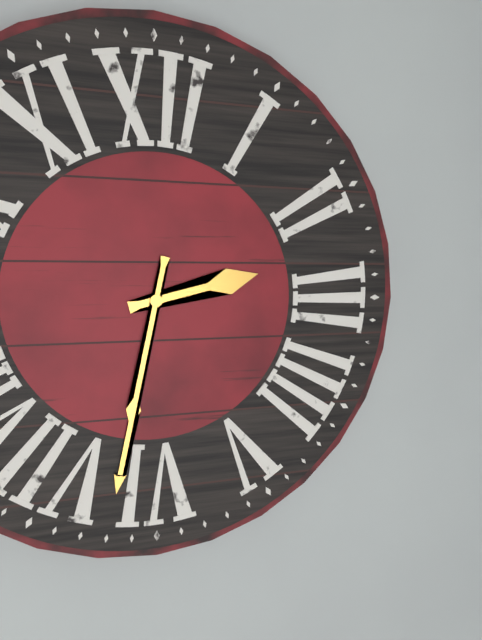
2:32
